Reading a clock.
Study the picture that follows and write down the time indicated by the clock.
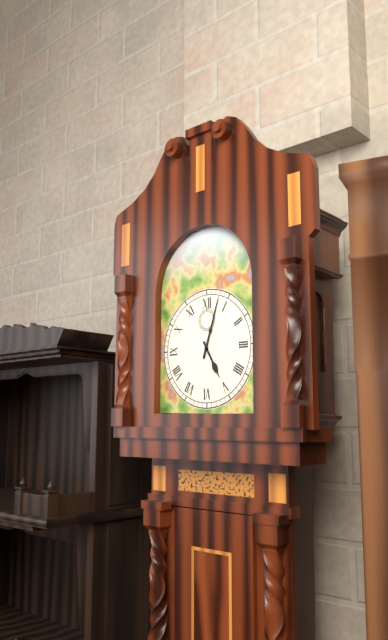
5:03
